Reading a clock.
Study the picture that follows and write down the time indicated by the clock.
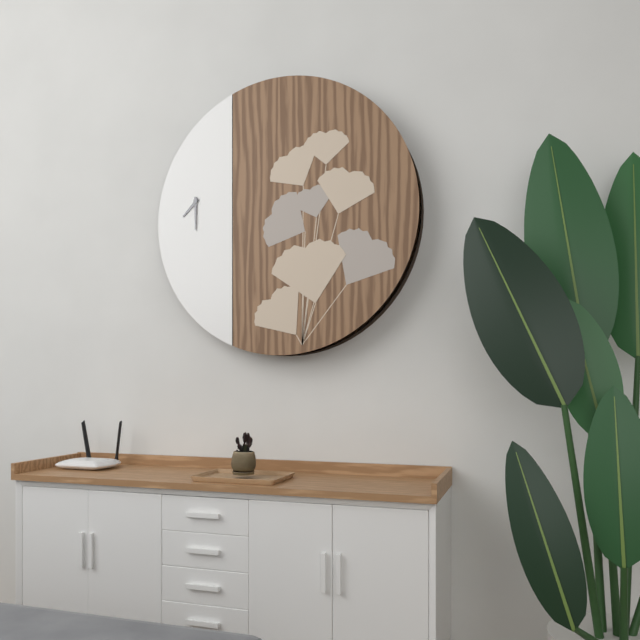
7:30
